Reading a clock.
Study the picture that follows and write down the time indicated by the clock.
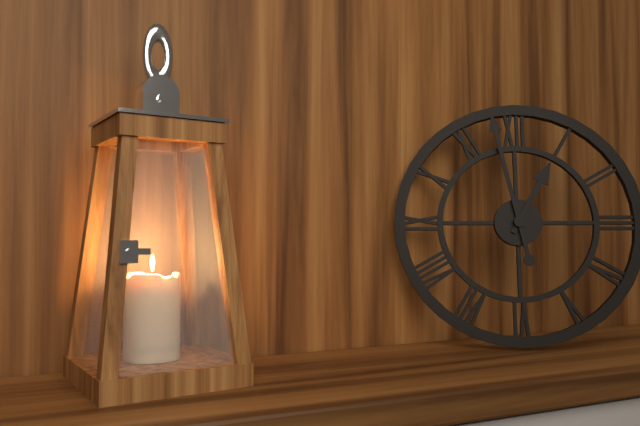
12:58
